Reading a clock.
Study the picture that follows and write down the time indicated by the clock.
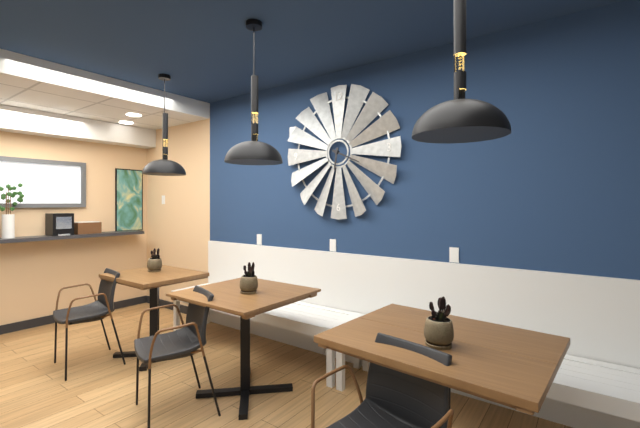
6:19
